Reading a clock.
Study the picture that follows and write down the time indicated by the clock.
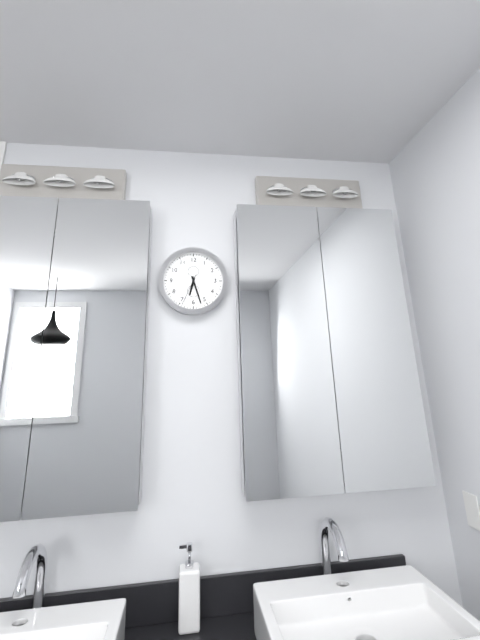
6:27
